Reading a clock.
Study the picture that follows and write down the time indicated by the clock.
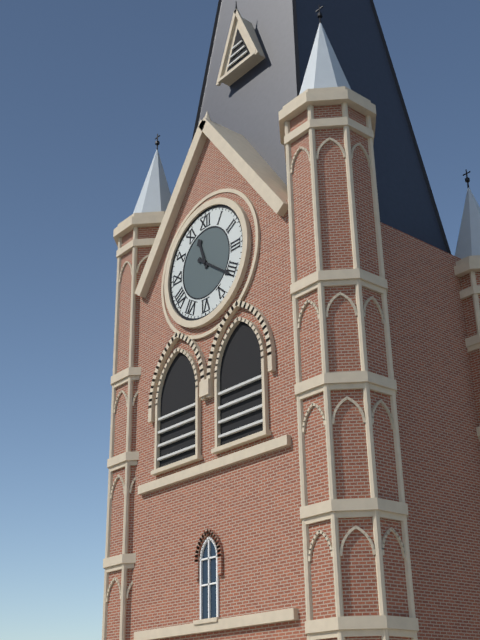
11:21
